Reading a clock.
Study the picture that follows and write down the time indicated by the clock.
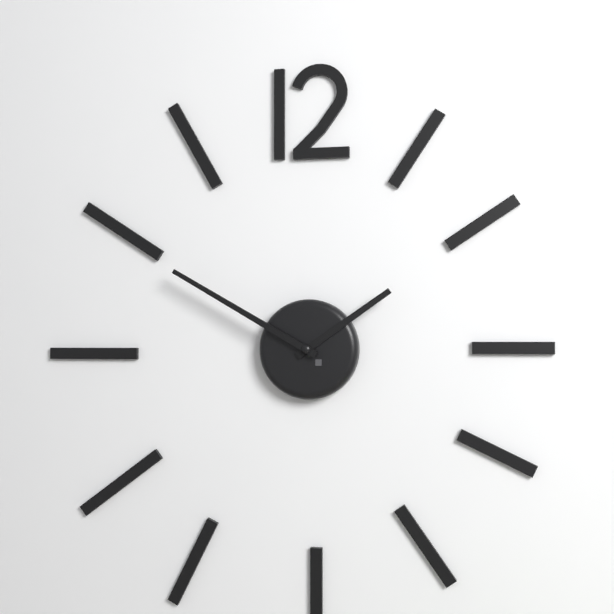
1:50
